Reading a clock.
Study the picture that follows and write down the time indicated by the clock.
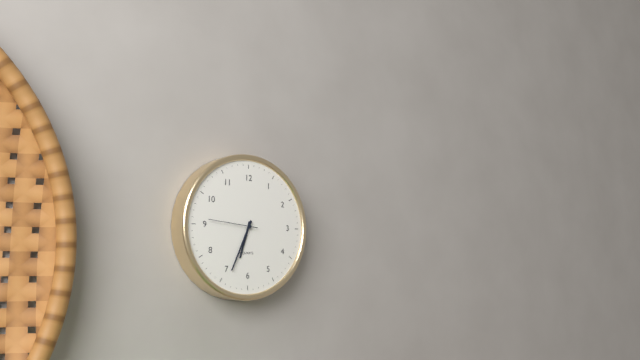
6:34:46
